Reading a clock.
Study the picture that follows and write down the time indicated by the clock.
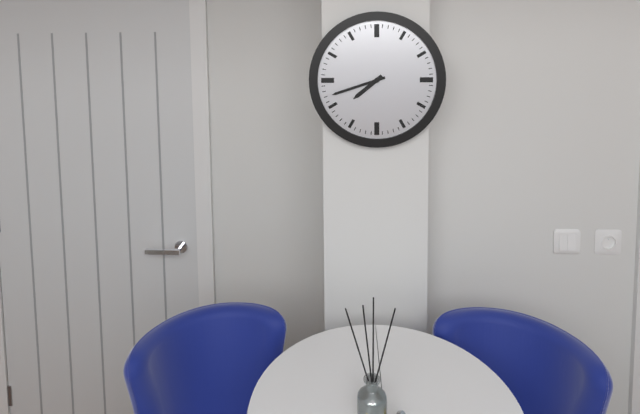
7:42
